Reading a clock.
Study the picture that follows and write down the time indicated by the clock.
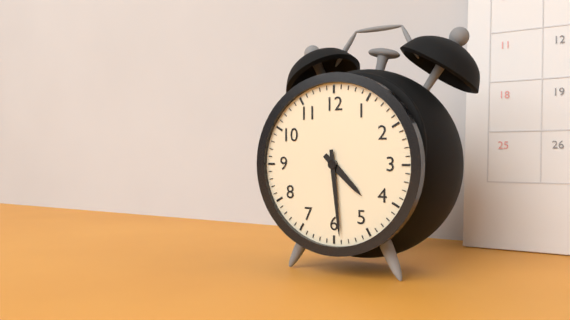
4:29
